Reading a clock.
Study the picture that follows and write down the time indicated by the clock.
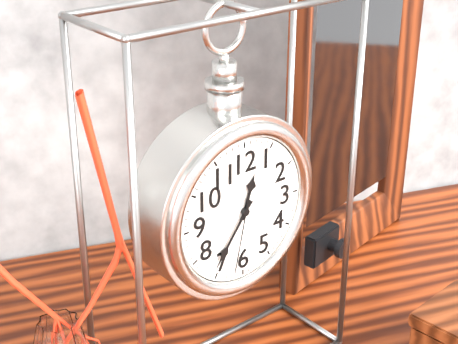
12:36:32
